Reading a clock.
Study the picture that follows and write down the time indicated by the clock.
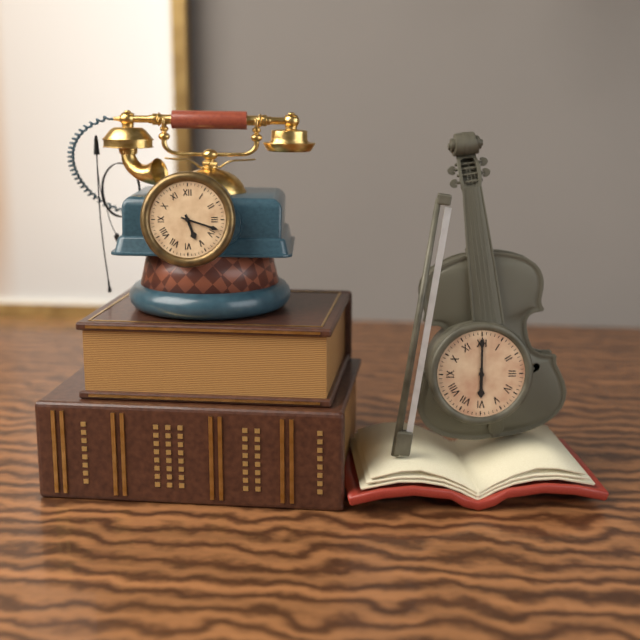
5:18
